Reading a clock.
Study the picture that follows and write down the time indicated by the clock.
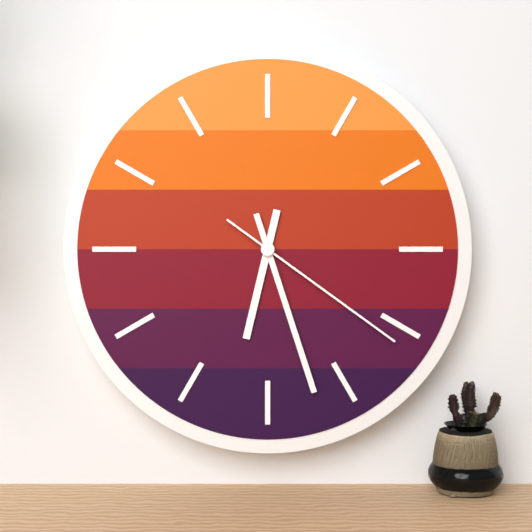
6:27:21
